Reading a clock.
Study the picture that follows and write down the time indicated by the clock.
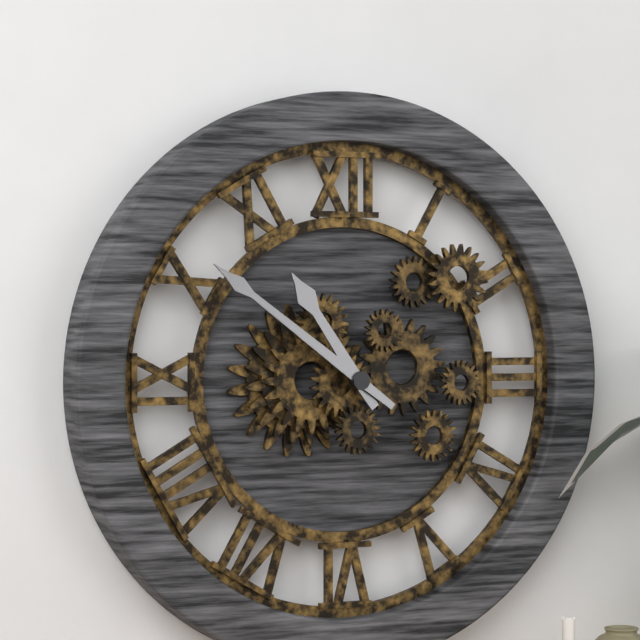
10:51
